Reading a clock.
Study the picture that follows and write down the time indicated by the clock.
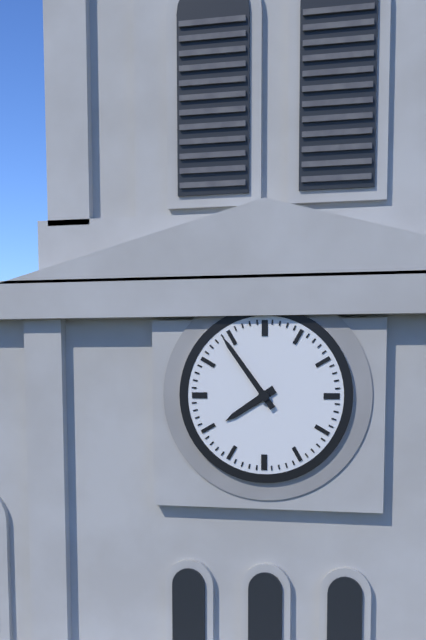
7:54
